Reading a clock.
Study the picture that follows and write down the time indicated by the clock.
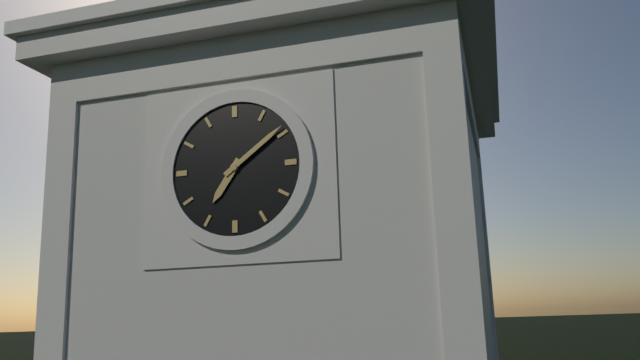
7:09
